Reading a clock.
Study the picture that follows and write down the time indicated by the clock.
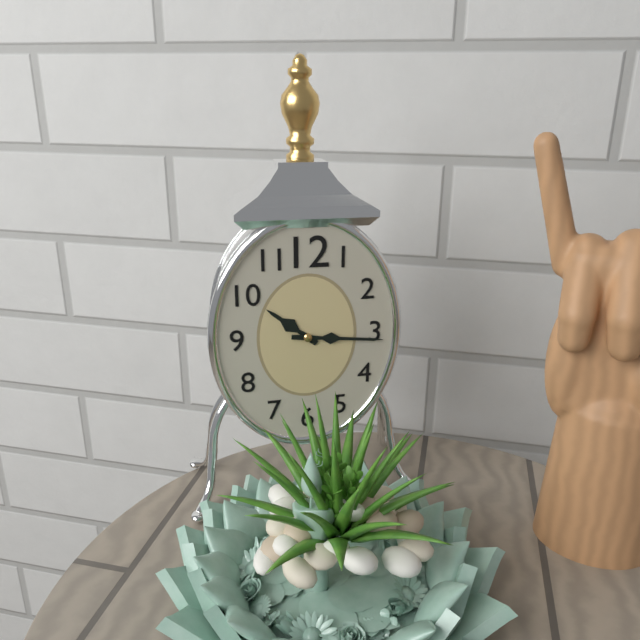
10:16
